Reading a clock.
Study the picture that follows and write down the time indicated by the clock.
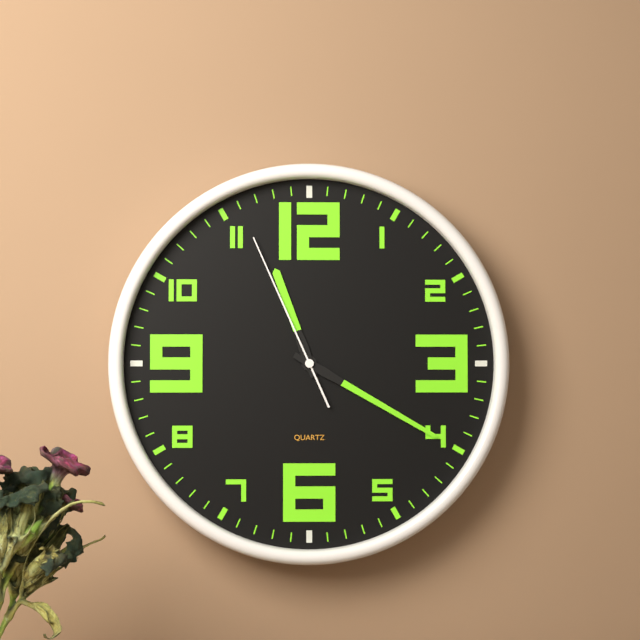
11:20:56
